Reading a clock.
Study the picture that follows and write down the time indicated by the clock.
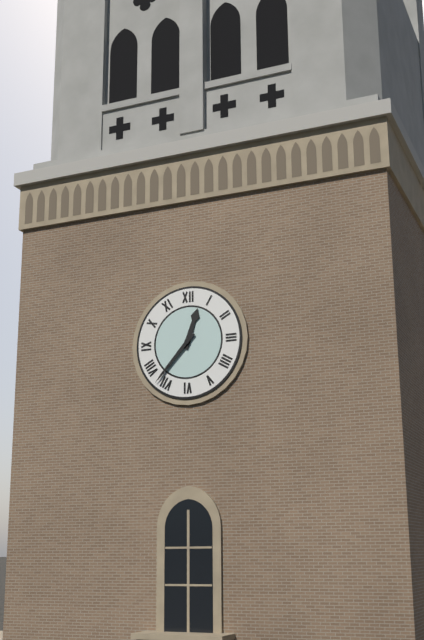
12:37
